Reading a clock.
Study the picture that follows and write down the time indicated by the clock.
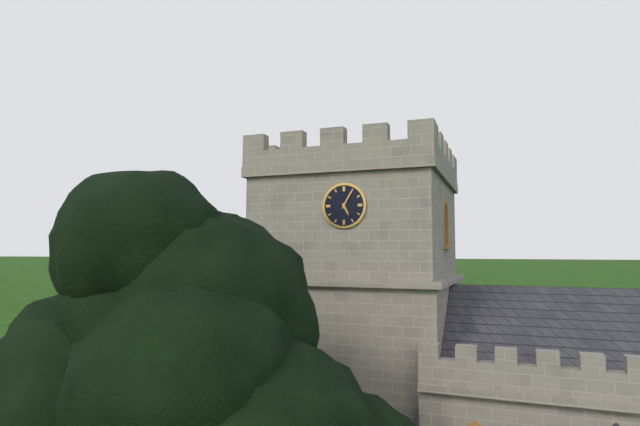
5:05
